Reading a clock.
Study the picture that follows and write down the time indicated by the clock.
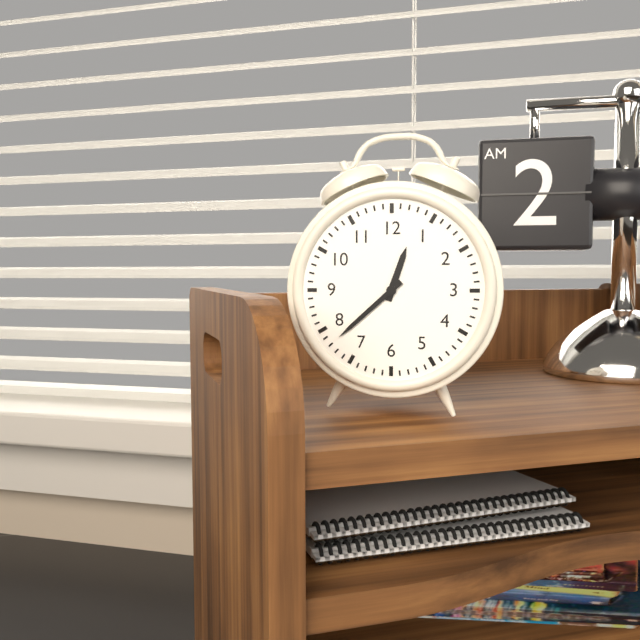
12:38
